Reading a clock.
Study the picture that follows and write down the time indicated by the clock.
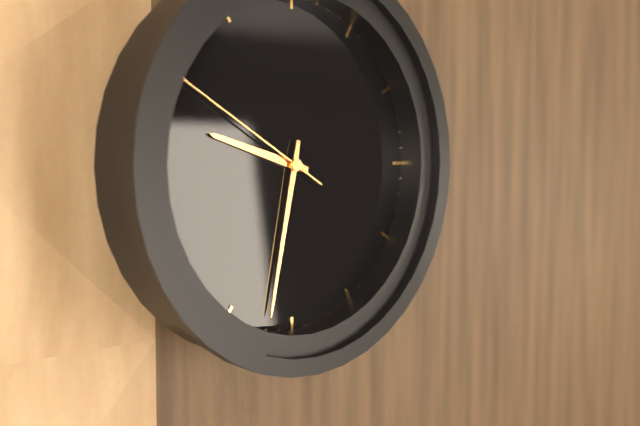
9:32:50
